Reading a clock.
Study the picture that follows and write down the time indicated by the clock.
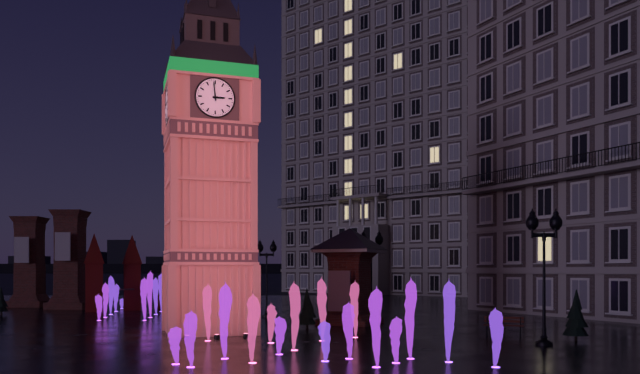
2:59
